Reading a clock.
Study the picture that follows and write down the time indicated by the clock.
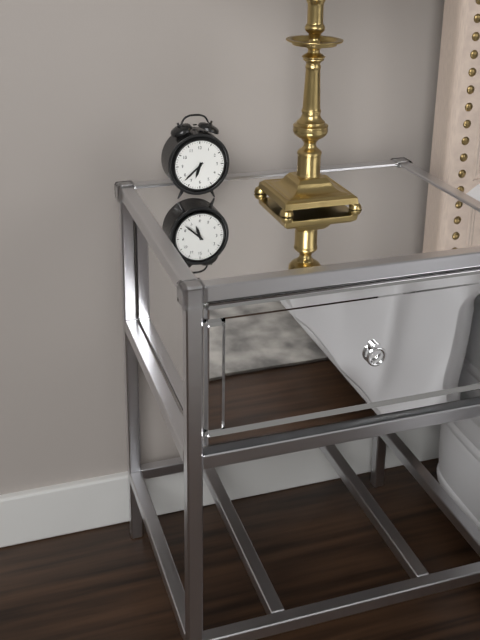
6:38
